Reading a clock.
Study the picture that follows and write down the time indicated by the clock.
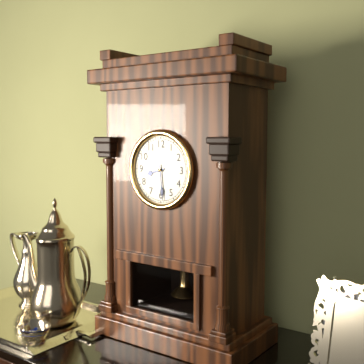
8:29
